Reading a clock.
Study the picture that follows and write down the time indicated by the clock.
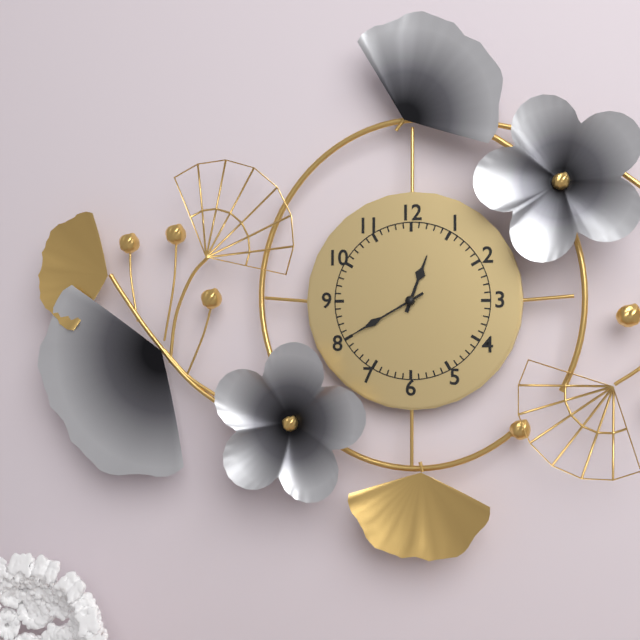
12:40
